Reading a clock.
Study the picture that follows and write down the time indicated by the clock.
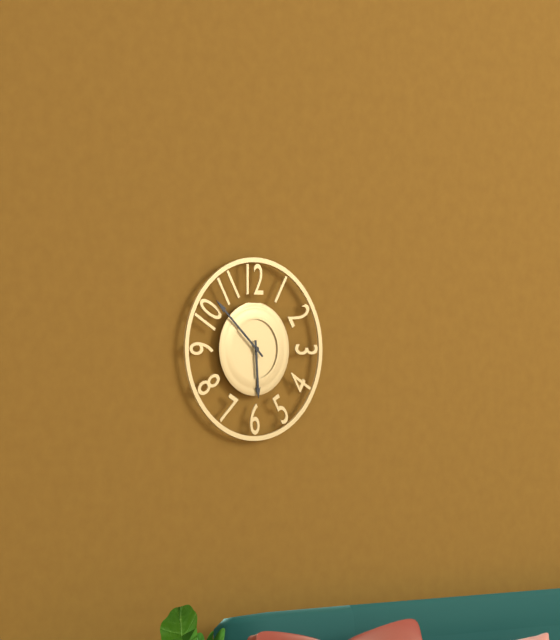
5:52
